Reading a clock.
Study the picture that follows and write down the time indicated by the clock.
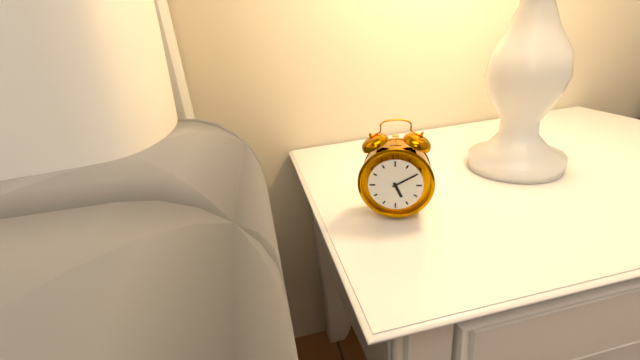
5:10
